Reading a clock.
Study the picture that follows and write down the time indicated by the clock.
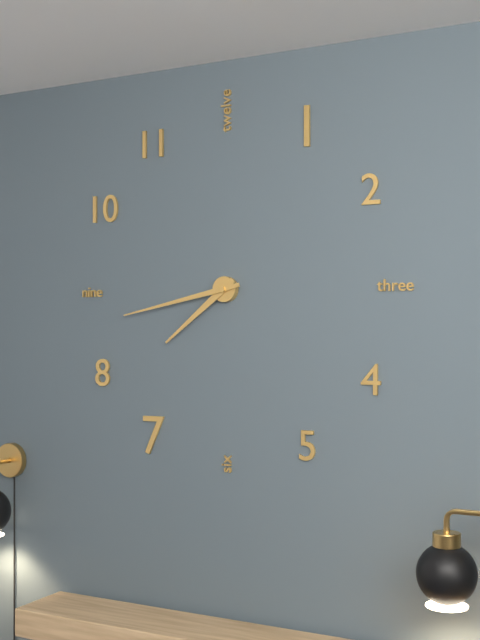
7:43
